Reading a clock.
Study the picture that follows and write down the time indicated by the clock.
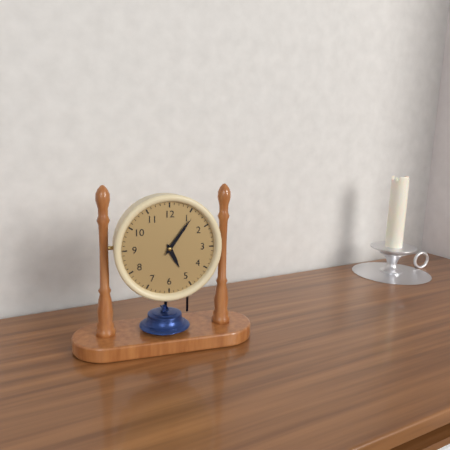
5:06
